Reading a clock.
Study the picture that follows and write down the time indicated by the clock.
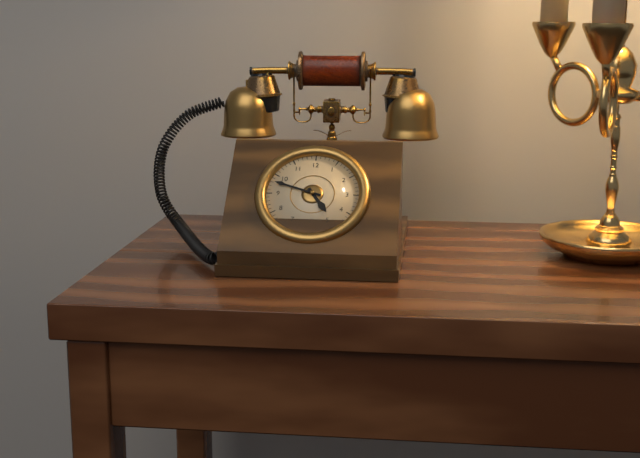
4:48
